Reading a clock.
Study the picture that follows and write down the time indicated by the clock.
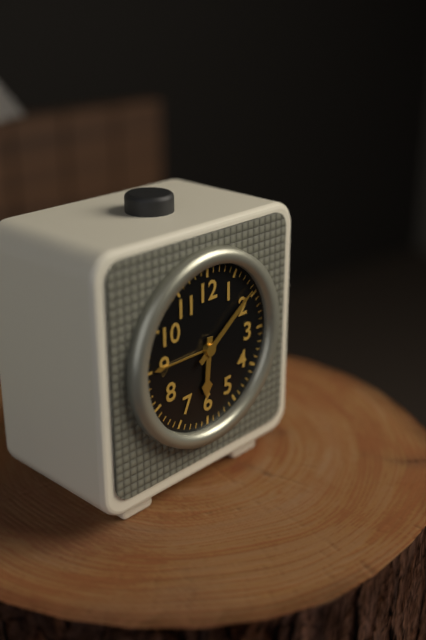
6:09
